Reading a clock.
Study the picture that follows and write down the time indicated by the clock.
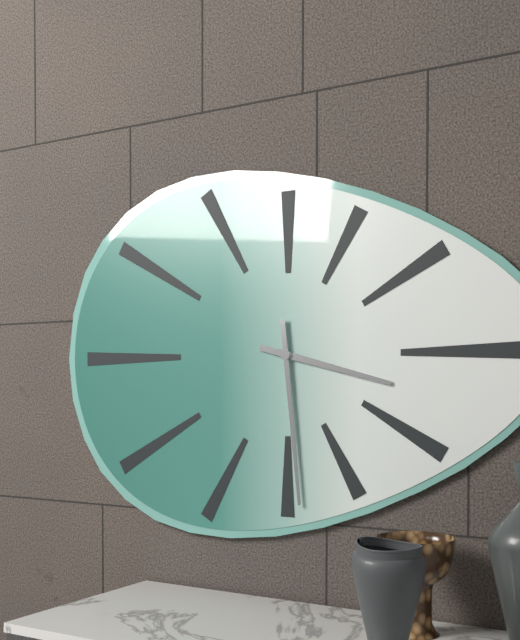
3:29
